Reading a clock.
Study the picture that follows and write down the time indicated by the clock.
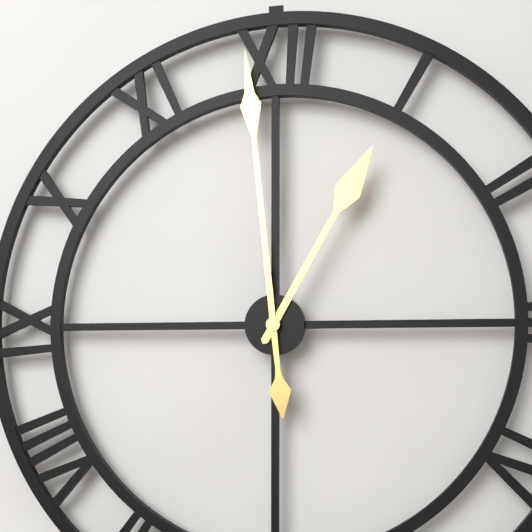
12:59
